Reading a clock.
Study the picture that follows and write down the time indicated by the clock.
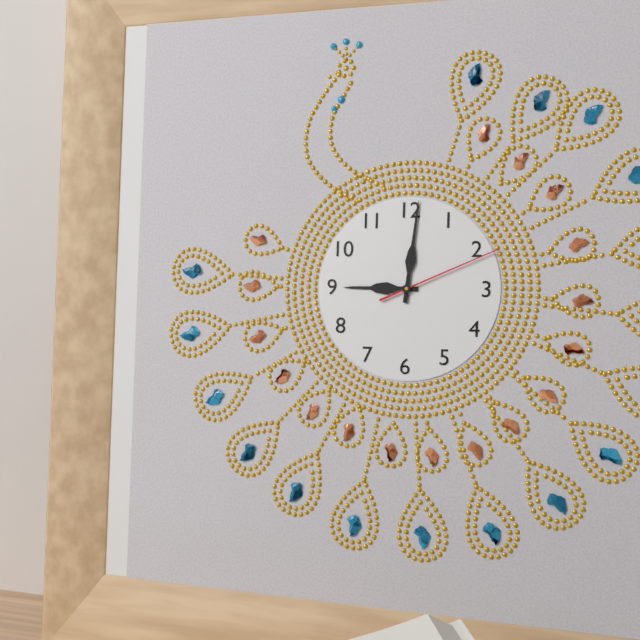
9:01:11
